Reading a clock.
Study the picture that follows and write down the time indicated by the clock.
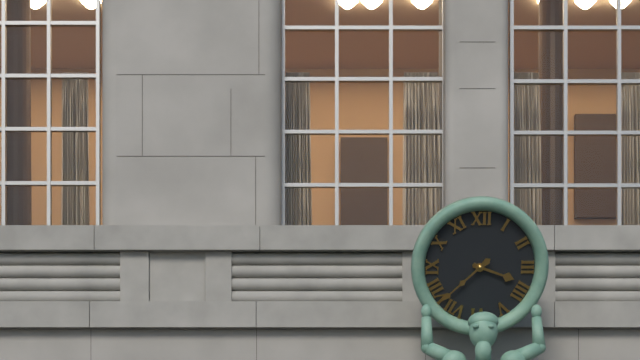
3:38
